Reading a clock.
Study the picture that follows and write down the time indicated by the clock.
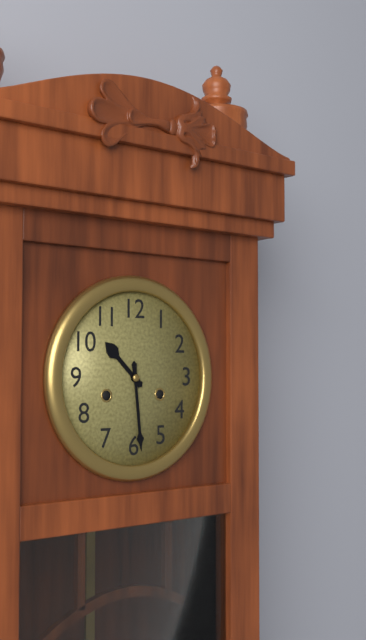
10:29
